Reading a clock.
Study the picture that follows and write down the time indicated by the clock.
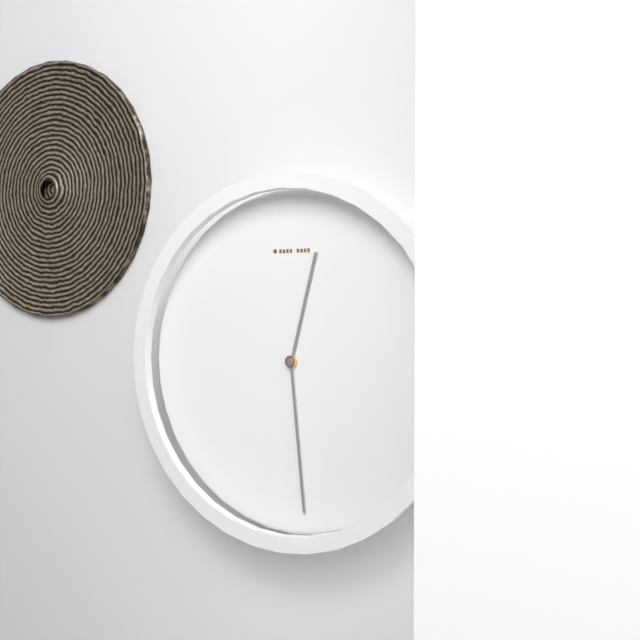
12:29
